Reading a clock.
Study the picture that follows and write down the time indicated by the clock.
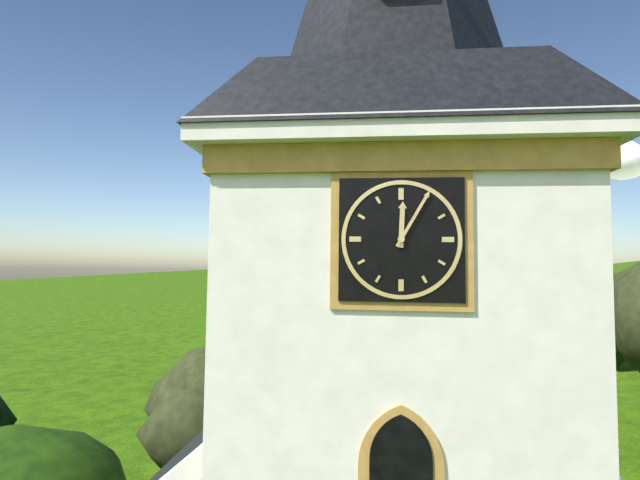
12:05
